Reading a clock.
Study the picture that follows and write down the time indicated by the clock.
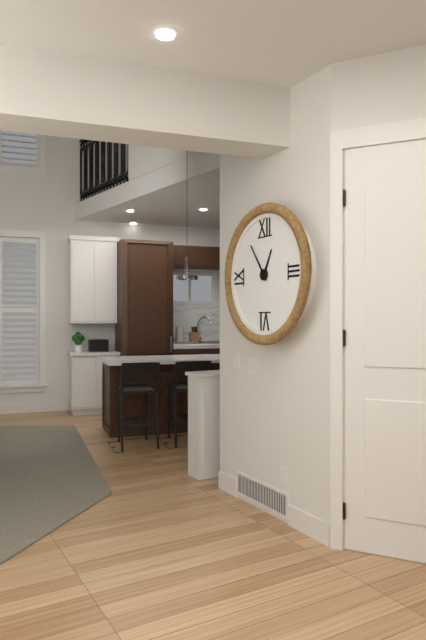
12:54
